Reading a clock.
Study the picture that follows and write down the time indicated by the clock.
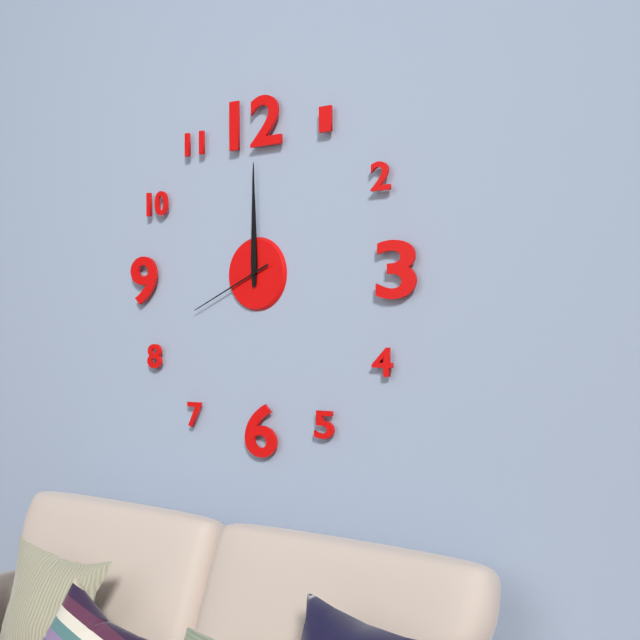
12:00:41
